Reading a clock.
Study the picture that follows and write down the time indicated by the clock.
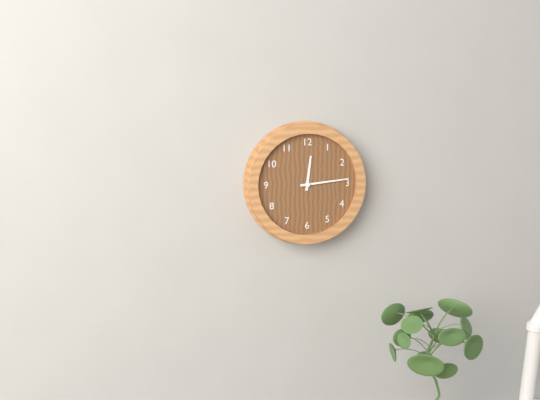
12:14
